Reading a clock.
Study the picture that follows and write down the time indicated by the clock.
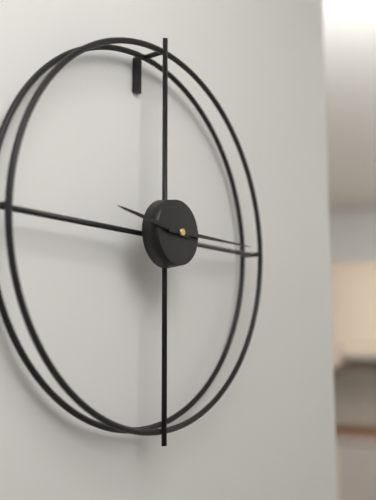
9:15
